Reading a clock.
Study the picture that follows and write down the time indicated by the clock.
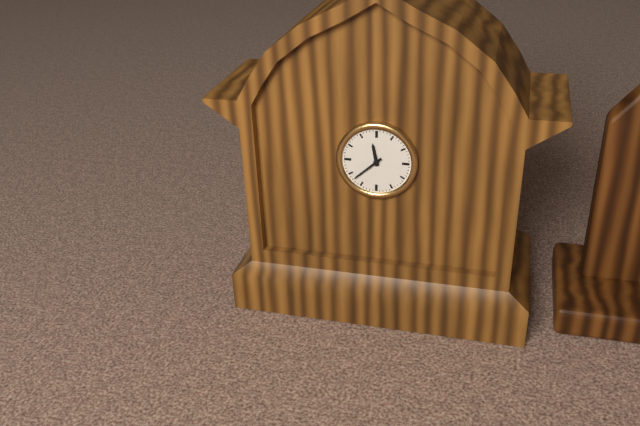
11:38
